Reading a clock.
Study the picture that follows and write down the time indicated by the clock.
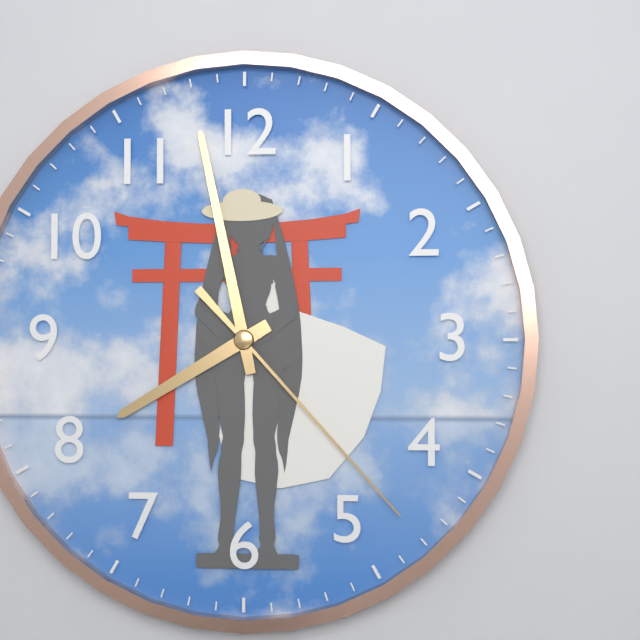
7:58:23
